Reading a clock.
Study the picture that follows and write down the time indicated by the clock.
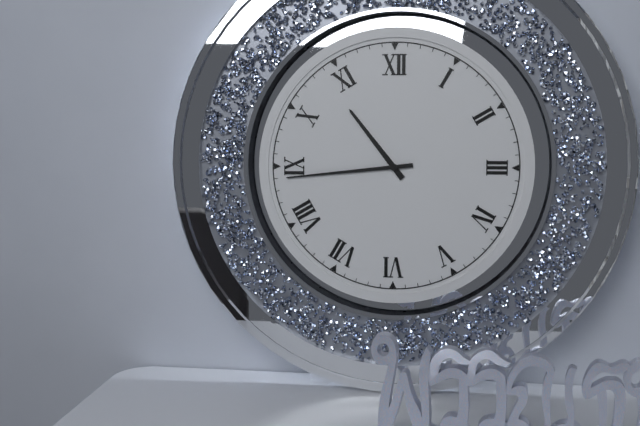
10:44
